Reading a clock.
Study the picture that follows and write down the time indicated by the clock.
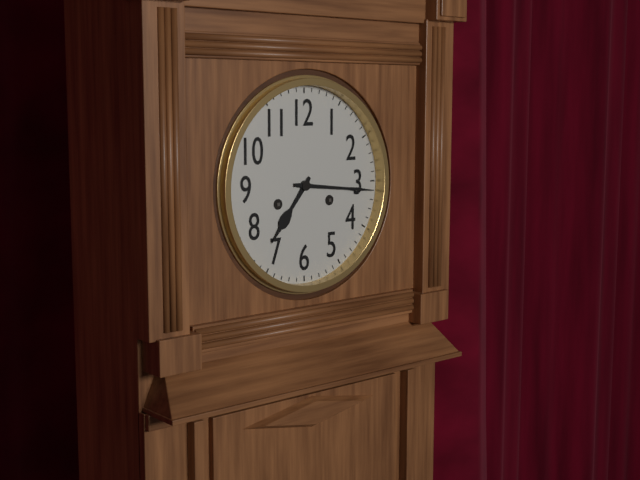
7:16
